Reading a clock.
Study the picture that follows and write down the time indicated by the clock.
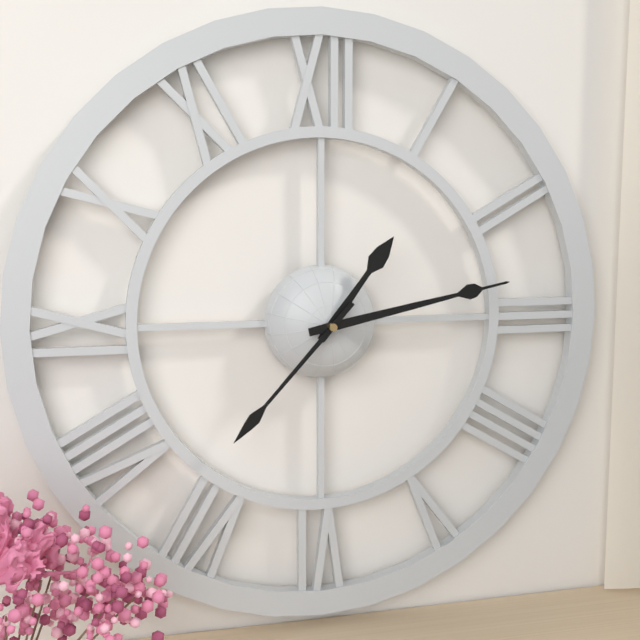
1:13:37
